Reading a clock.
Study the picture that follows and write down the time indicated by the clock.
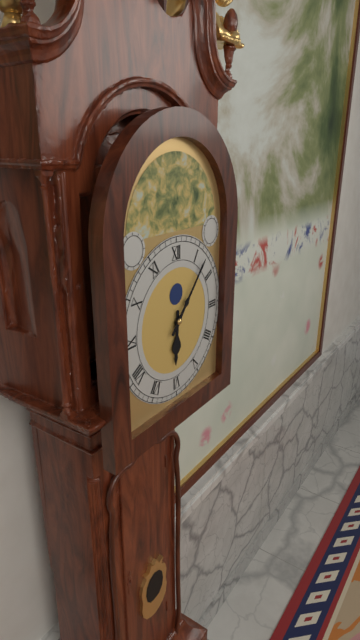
6:07
